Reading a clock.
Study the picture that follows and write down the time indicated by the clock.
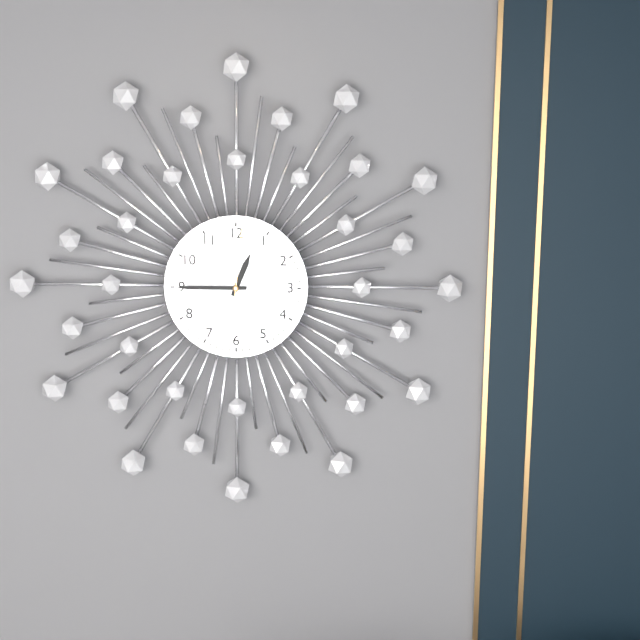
12:45:01
